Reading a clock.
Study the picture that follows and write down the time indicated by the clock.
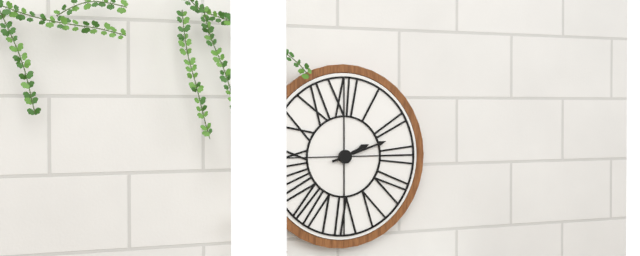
2:12
